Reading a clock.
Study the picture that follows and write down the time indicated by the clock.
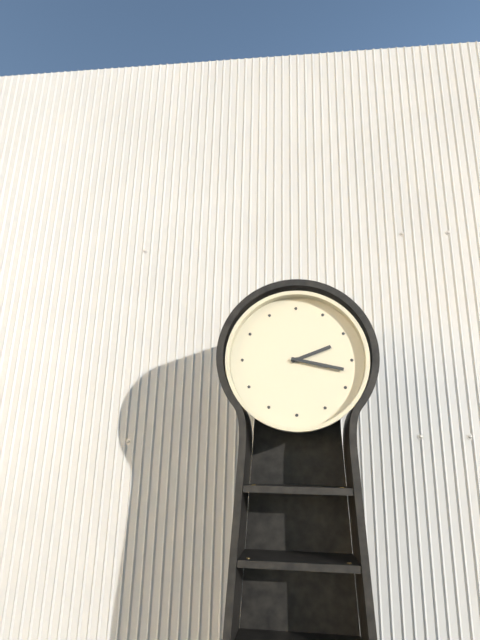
2:17
